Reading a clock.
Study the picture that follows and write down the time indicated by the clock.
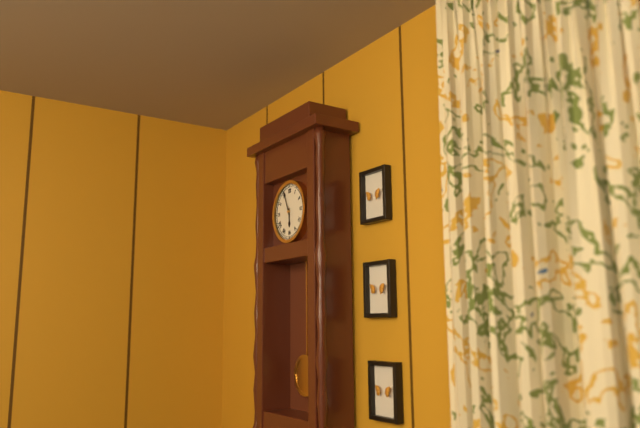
5:56
